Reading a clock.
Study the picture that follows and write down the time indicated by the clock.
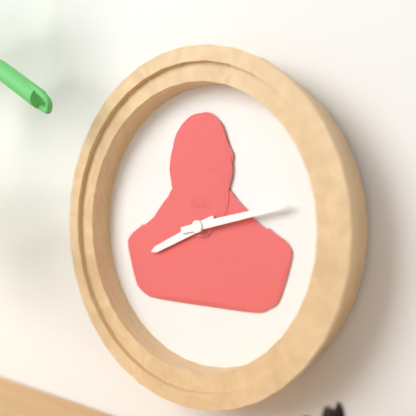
8:13
